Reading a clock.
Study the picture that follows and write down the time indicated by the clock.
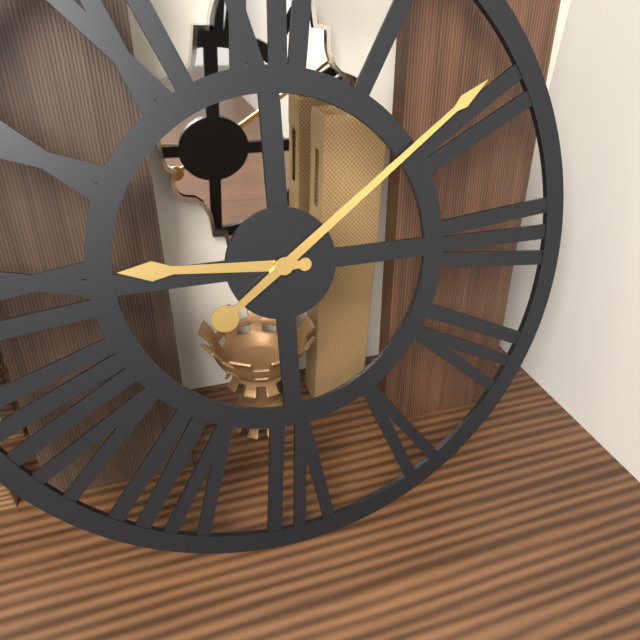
9:09
